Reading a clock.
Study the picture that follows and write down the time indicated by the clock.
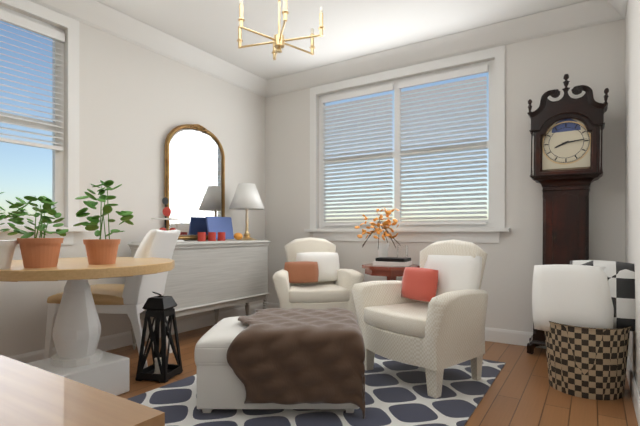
8:14
